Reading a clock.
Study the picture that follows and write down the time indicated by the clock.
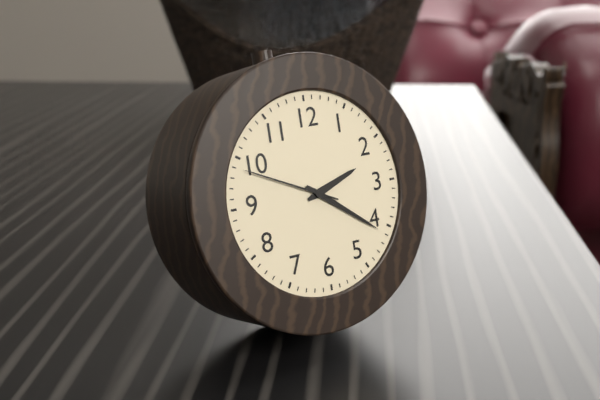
2:21:49
